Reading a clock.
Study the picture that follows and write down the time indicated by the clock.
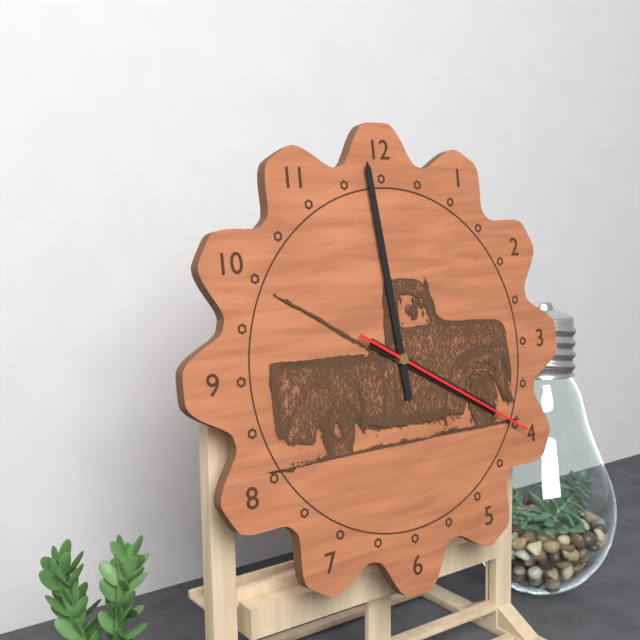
3:59:20
